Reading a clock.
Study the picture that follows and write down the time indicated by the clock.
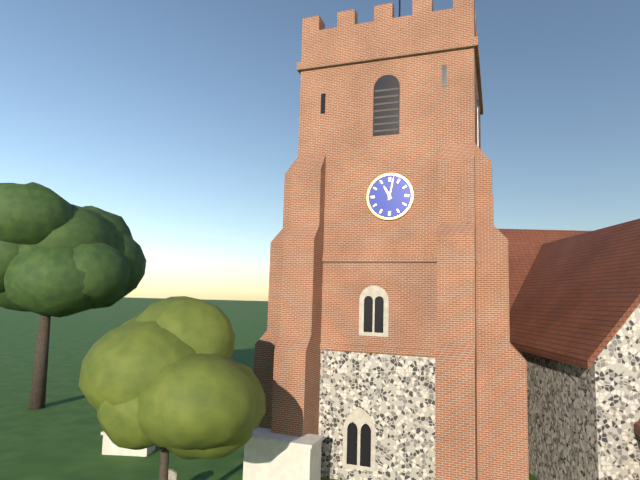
11:02
